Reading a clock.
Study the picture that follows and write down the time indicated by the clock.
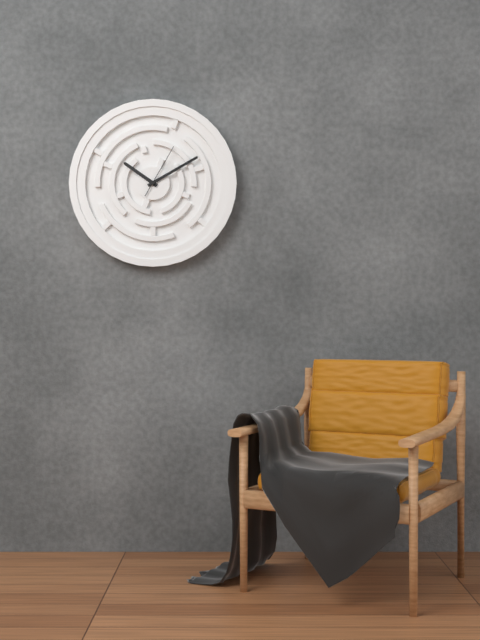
10:10:05
